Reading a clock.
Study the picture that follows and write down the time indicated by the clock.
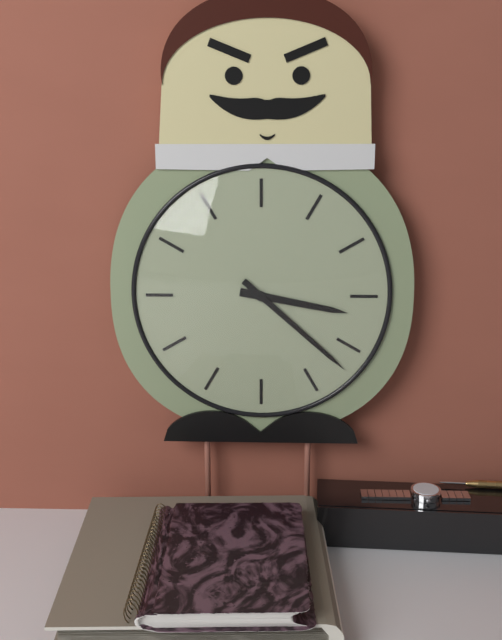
3:22
